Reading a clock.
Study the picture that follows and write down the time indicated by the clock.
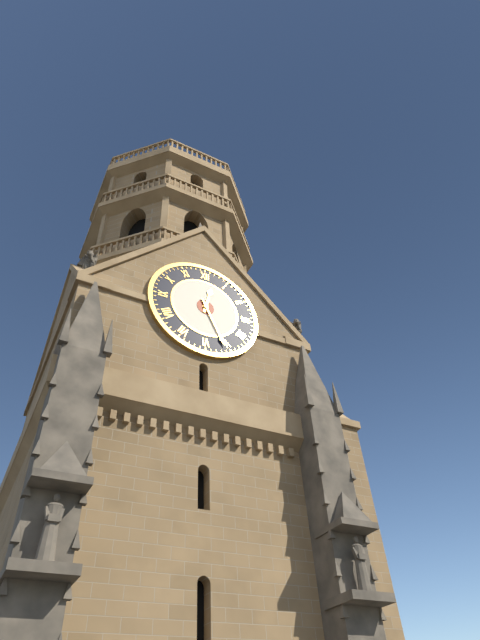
12:26
